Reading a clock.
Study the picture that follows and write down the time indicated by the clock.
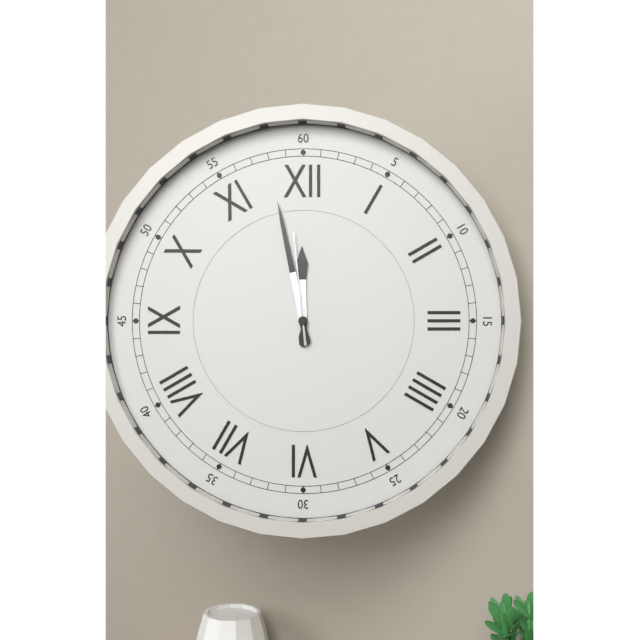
11:58:59
